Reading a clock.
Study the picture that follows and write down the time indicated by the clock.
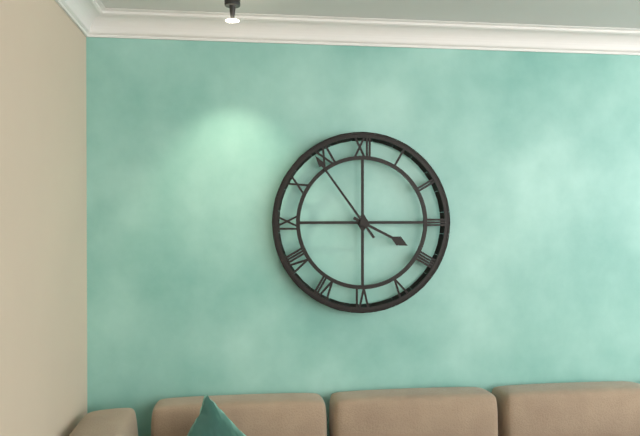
3:54
